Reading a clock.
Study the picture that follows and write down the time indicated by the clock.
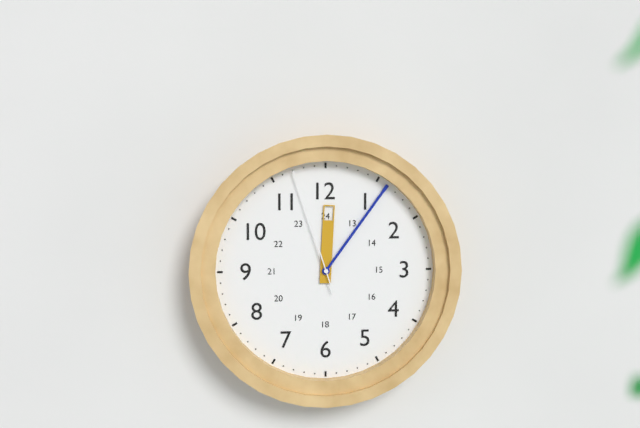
12:06:57
